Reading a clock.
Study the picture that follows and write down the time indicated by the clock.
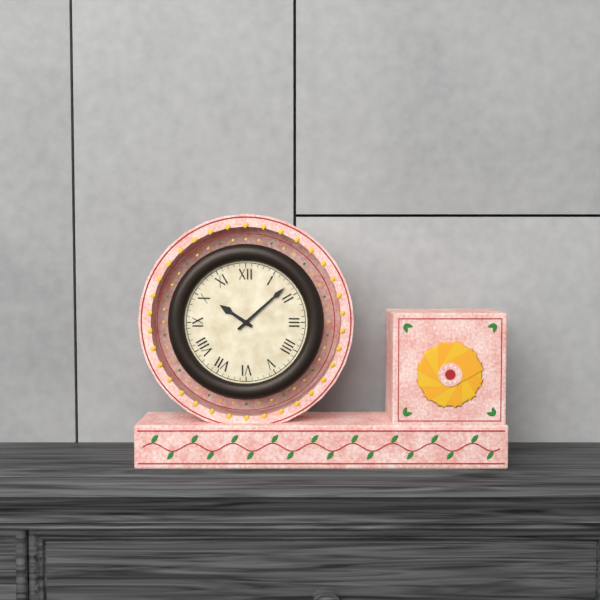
10:08
